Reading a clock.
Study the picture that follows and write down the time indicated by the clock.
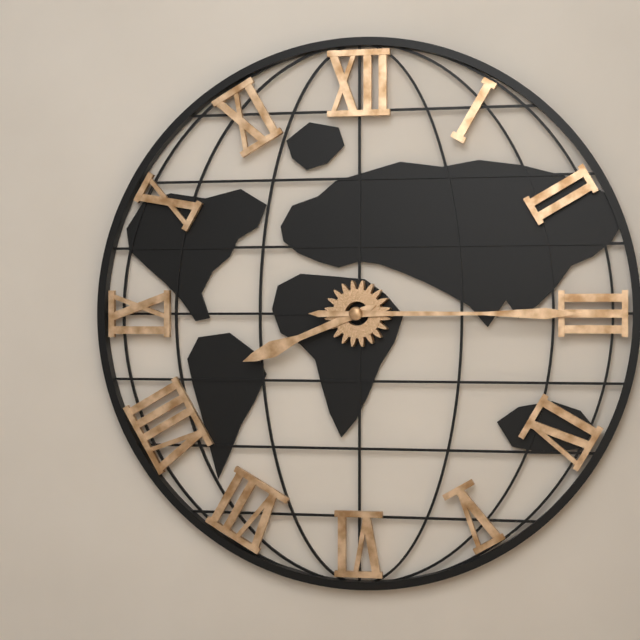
8:15
